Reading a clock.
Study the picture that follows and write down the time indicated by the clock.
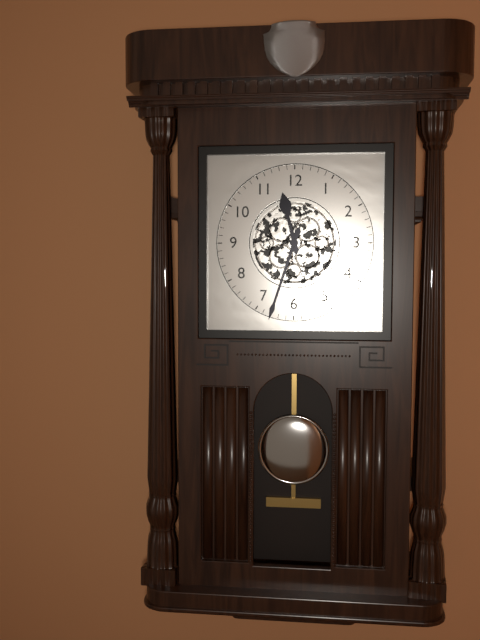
11:33
